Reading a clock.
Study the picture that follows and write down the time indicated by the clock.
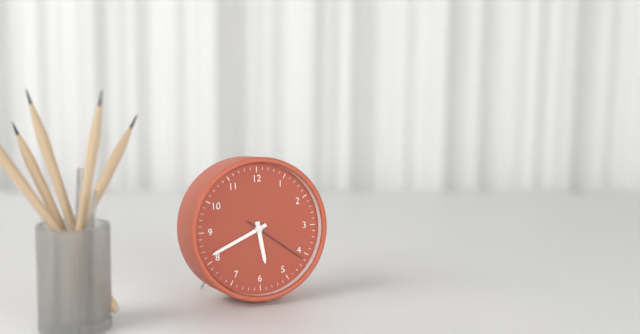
5:41:21
